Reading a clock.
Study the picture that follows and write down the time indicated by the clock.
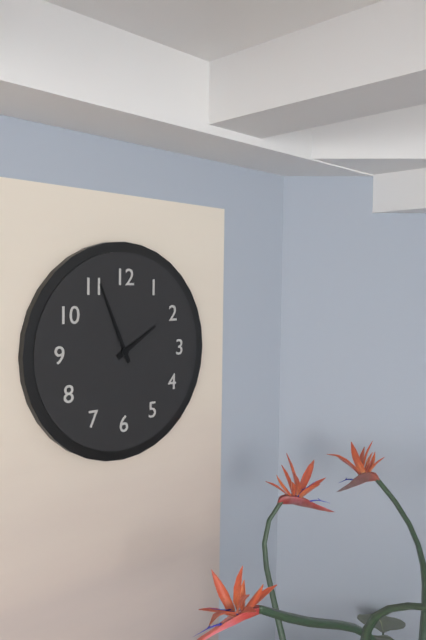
1:56
